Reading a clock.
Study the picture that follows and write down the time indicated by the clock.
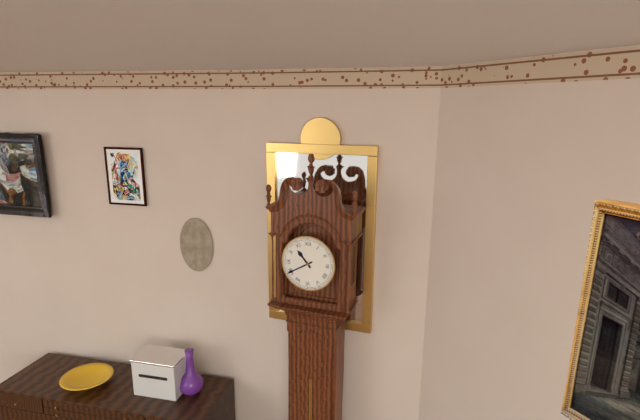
10:40
